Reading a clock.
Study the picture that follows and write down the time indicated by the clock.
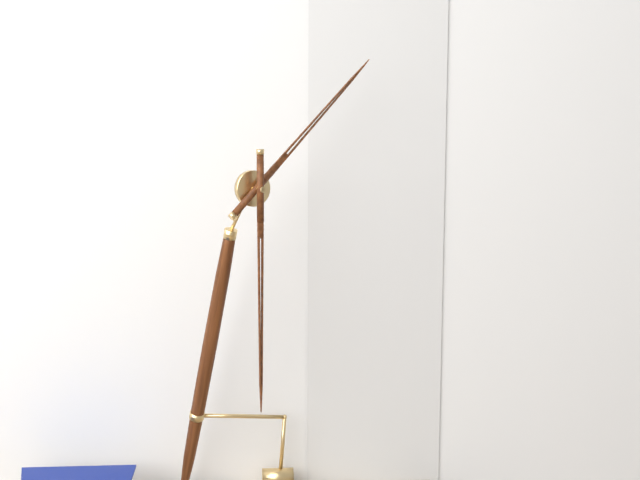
1:30
